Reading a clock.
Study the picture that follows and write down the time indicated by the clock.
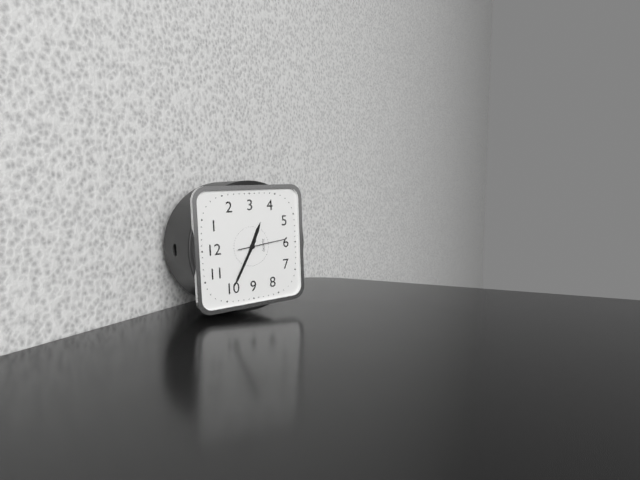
3:50
